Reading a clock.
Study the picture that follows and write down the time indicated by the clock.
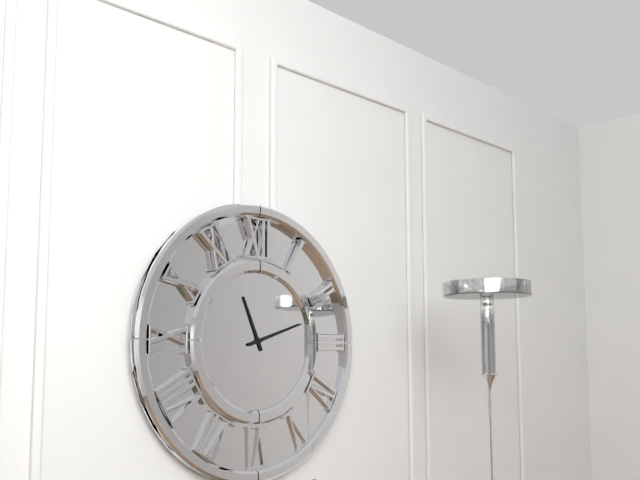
11:12
